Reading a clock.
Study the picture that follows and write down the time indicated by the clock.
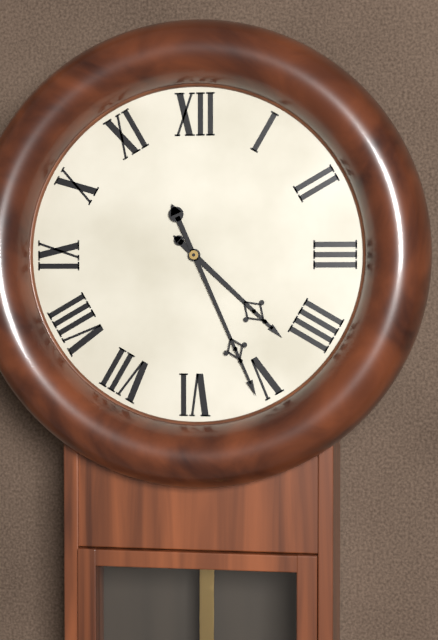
4:26
